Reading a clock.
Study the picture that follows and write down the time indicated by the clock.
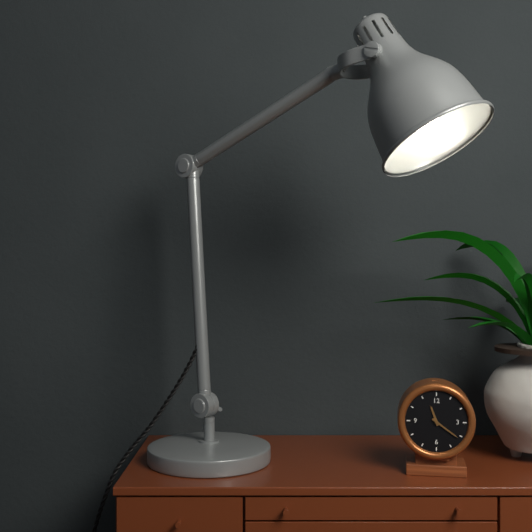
11:21
